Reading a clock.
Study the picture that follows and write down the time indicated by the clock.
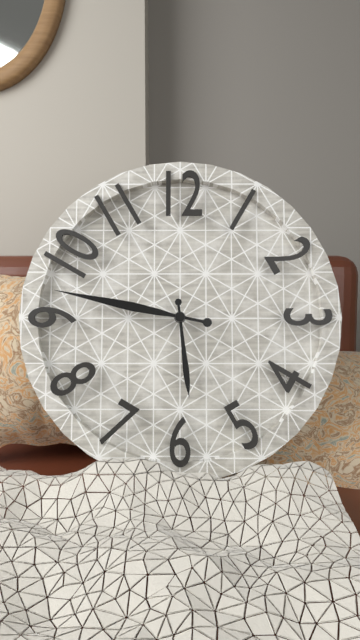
5:47
